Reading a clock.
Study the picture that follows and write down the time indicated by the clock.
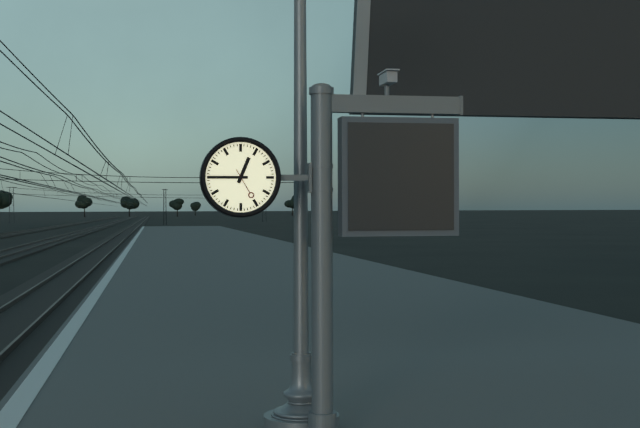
12:45
